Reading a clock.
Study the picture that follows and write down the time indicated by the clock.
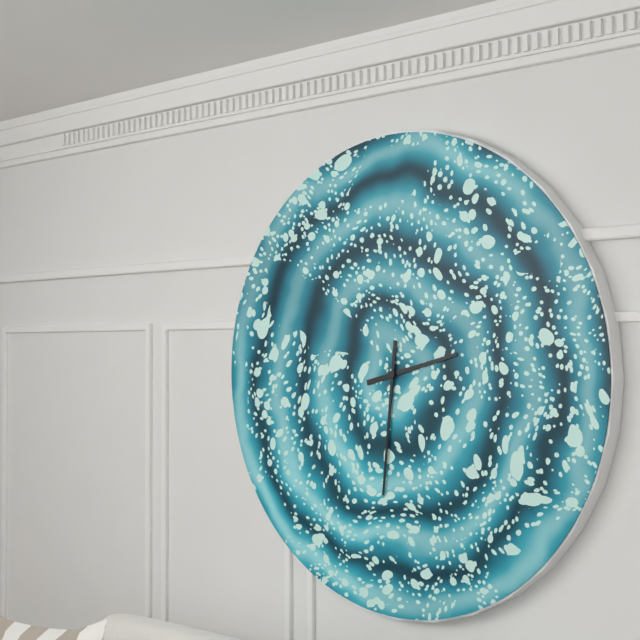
2:31
